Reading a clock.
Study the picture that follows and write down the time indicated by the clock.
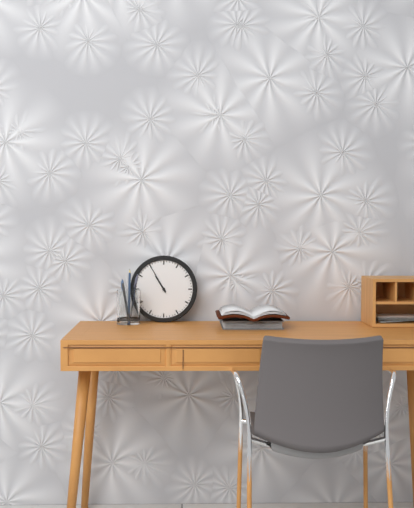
10:55
